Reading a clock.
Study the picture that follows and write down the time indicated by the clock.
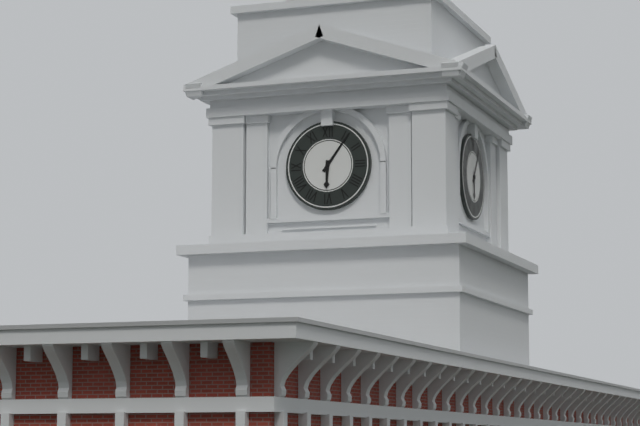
6:06
